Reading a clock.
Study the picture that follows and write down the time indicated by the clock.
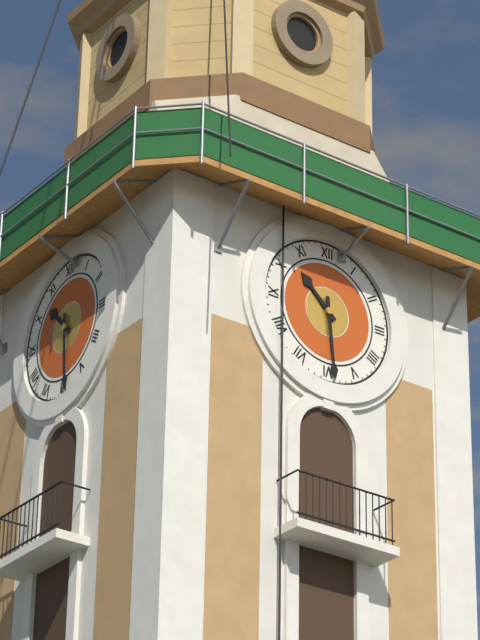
10:29
